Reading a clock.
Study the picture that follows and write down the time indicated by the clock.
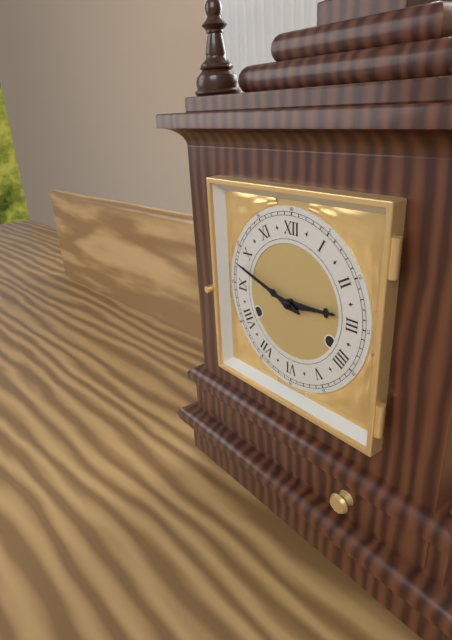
2:48
